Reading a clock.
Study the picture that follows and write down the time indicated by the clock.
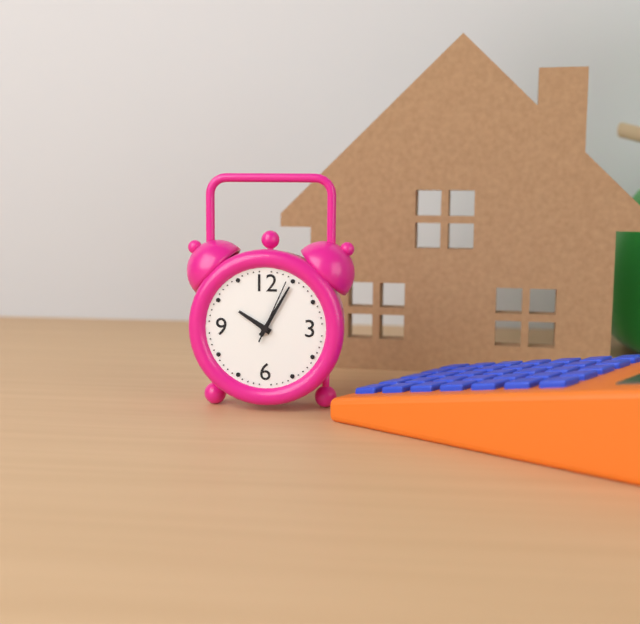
10:05:04
